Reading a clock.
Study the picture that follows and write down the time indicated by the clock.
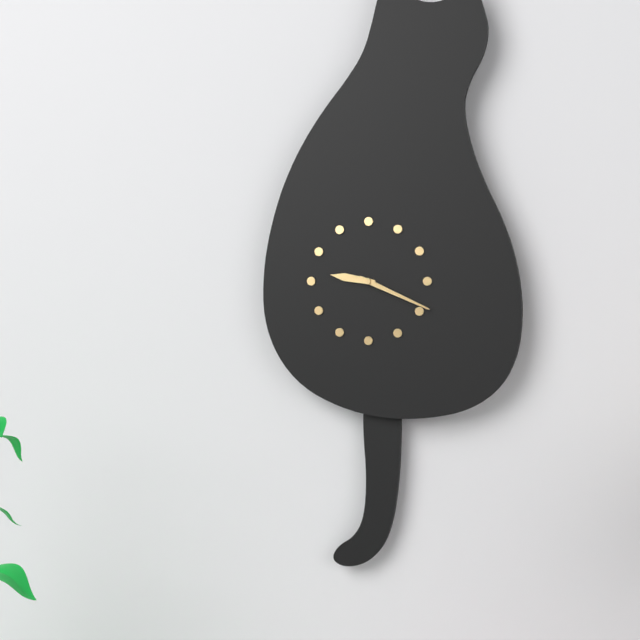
9:19
